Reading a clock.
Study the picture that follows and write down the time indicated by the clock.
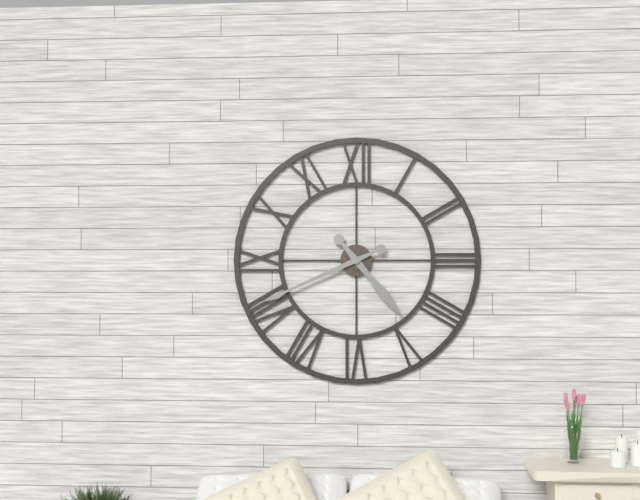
4:41
